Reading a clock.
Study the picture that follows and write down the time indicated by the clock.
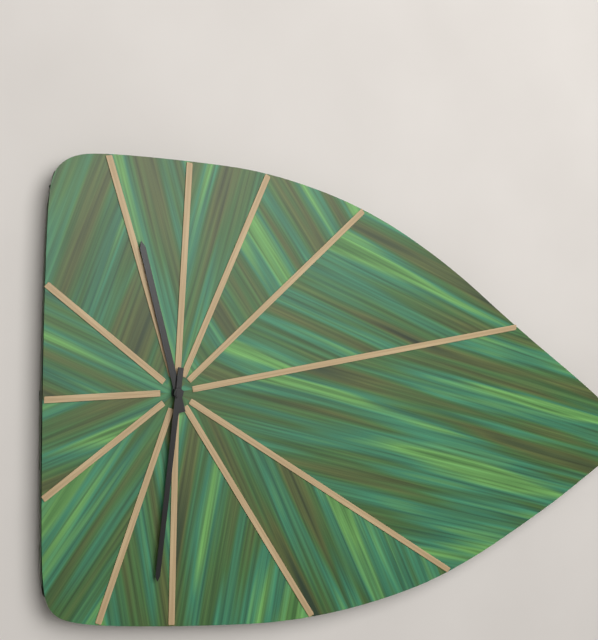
11:31
